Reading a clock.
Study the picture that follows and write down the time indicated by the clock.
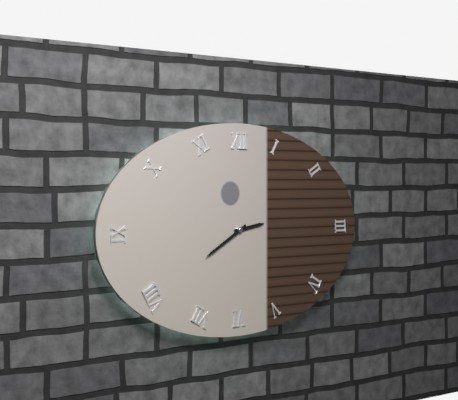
2:40
